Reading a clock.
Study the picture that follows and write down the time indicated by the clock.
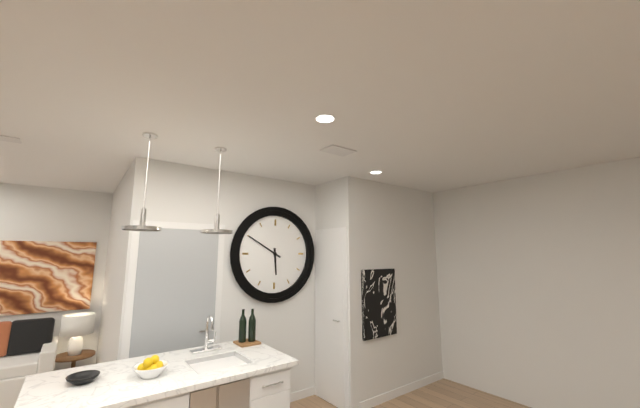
5:50
